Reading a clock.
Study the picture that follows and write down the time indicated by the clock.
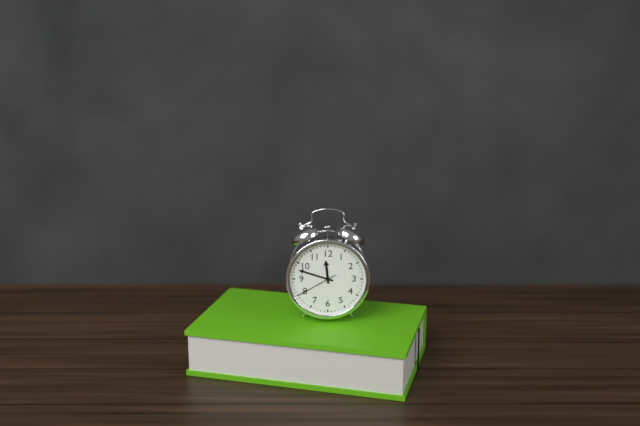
11:48
